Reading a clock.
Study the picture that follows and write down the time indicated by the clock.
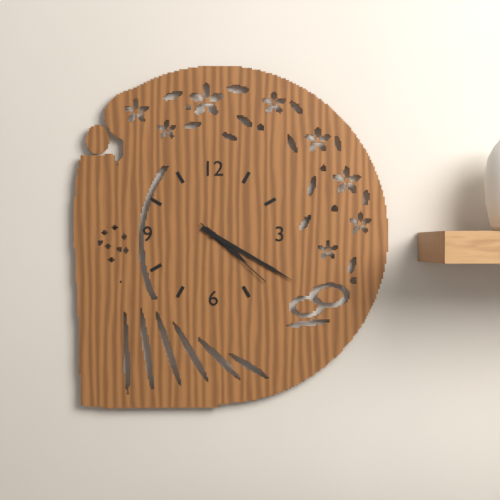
4:20:22
